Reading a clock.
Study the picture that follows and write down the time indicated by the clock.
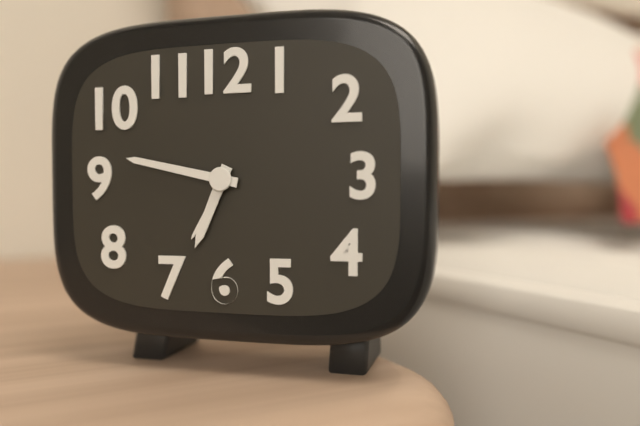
6:47
